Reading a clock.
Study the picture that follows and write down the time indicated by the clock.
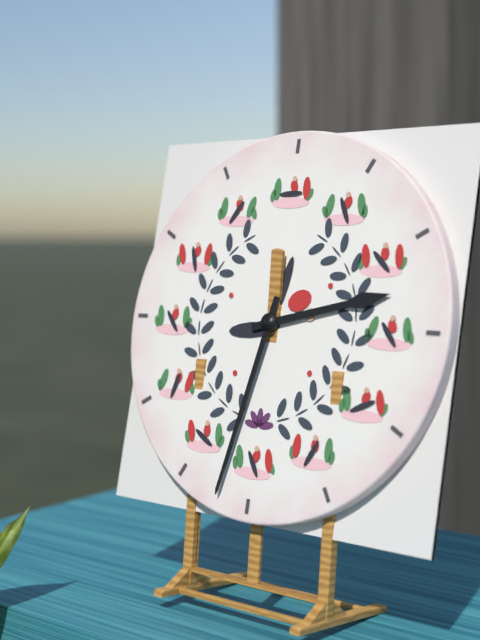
2:32
